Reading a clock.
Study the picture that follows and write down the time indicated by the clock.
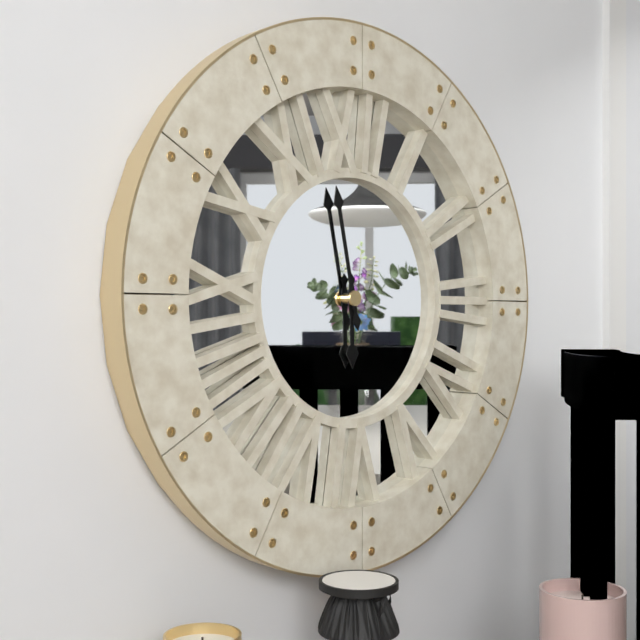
5:58
